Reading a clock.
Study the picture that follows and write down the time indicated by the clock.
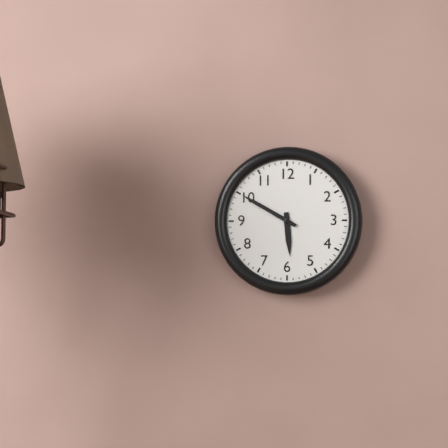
5:50
